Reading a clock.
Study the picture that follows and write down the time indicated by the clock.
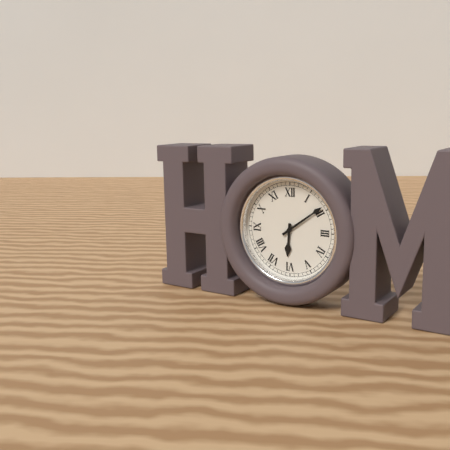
6:09
